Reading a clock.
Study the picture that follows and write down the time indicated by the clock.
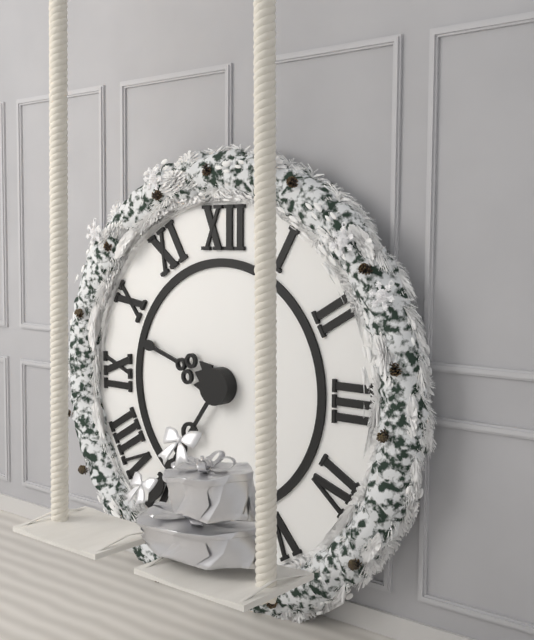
9:36
